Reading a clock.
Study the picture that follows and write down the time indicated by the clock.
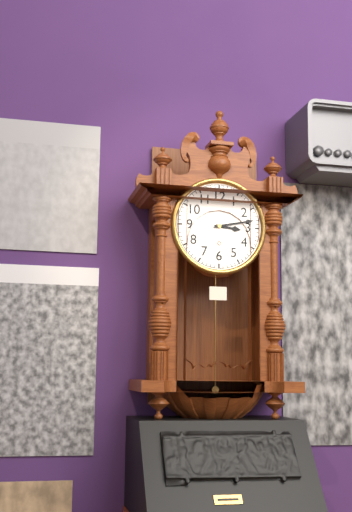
3:13
